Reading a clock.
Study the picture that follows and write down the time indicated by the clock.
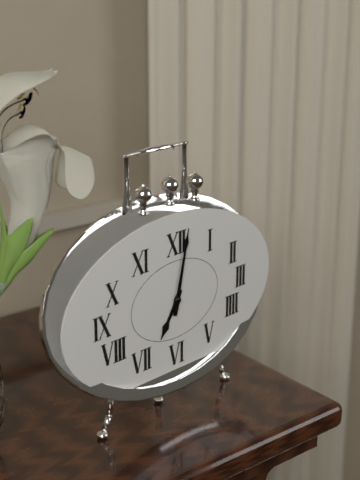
7:02
